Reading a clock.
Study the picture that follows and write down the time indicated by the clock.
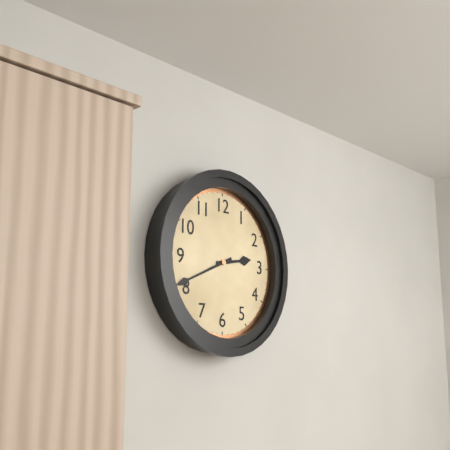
2:41
